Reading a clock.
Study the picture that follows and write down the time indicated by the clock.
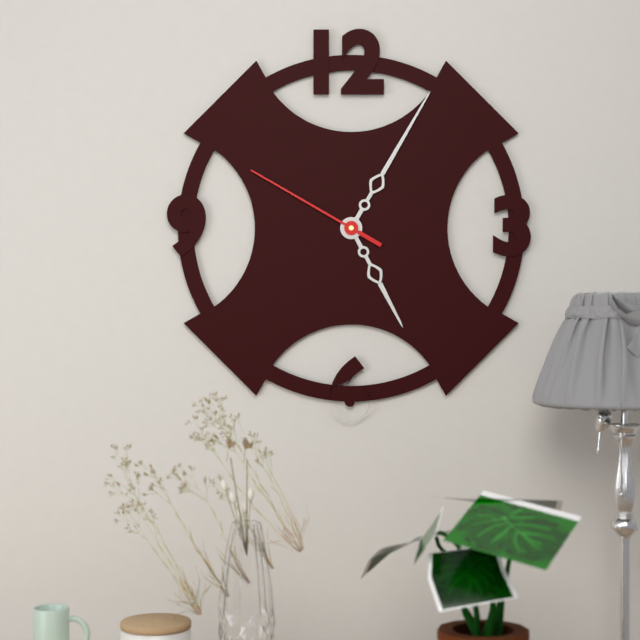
5:05:50
